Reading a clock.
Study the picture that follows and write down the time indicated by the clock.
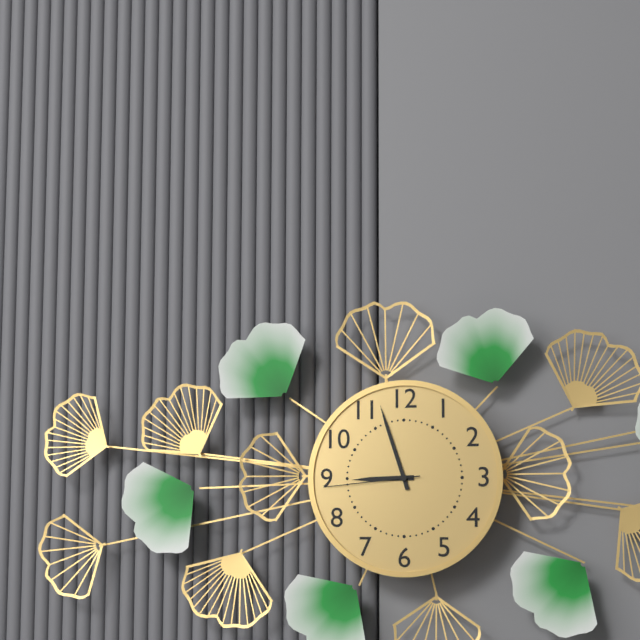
8:57:44
